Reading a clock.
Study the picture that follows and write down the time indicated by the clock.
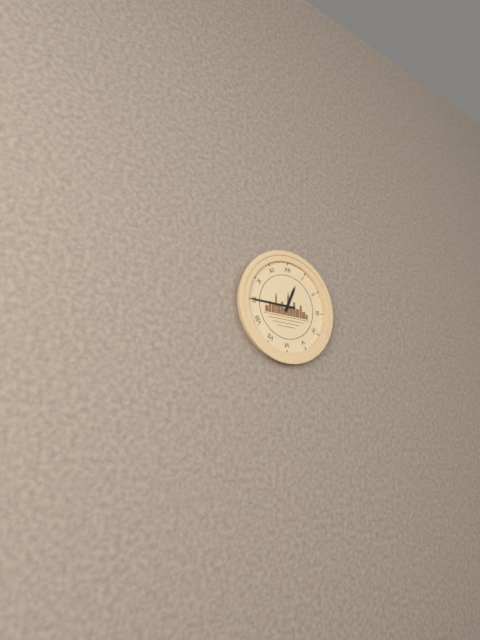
12:45
